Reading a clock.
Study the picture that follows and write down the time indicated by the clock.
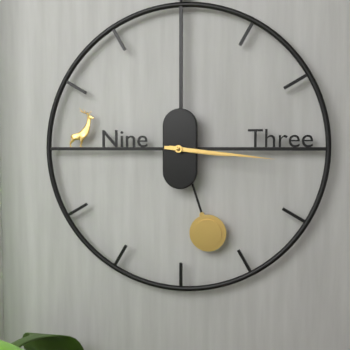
3:16
